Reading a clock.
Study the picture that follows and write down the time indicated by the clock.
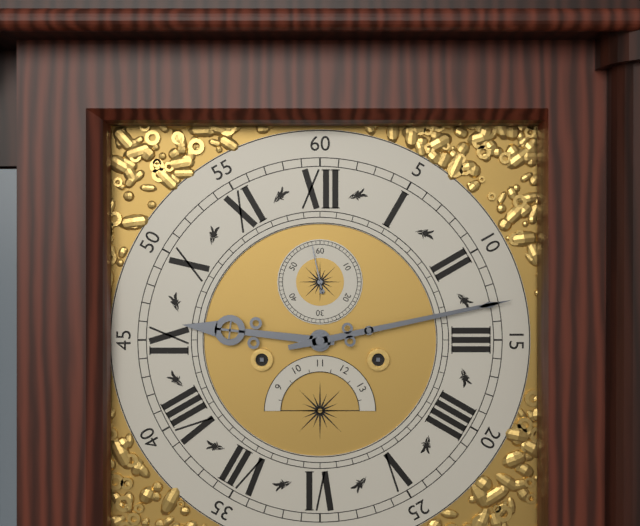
9:13
